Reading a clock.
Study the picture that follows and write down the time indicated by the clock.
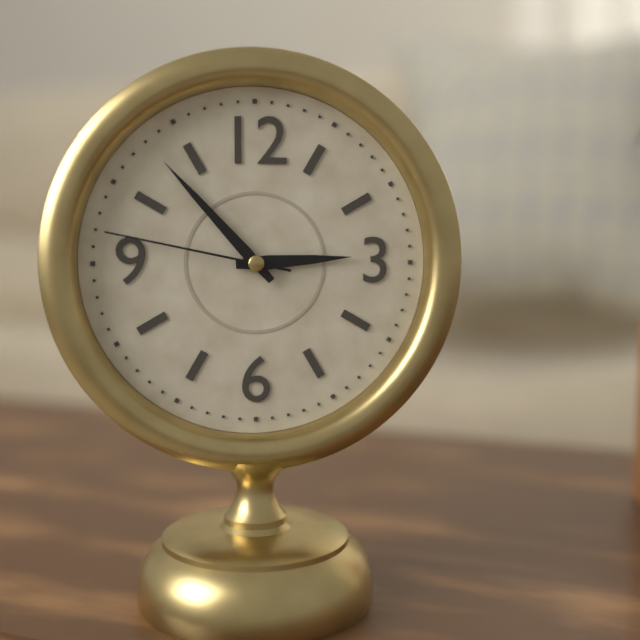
2:53:47
